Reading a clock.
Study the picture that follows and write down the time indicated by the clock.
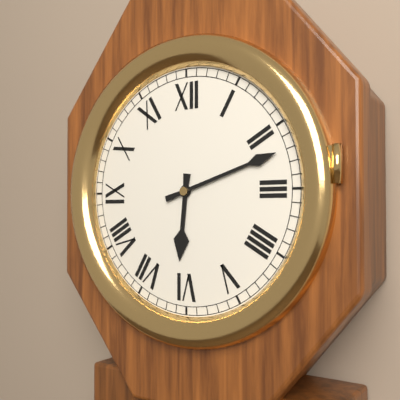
6:12
